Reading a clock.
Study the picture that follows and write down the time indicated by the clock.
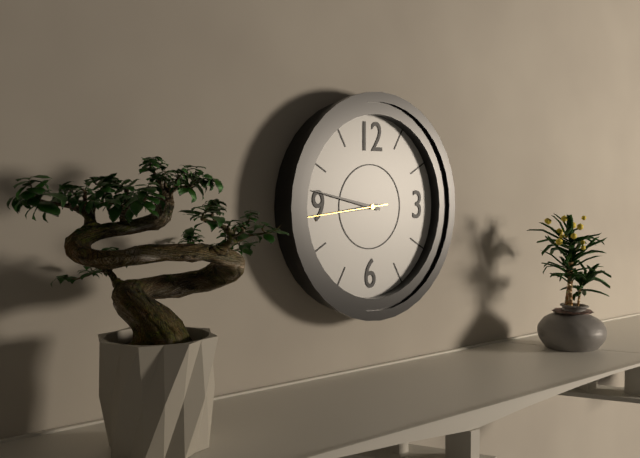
8:47:44
